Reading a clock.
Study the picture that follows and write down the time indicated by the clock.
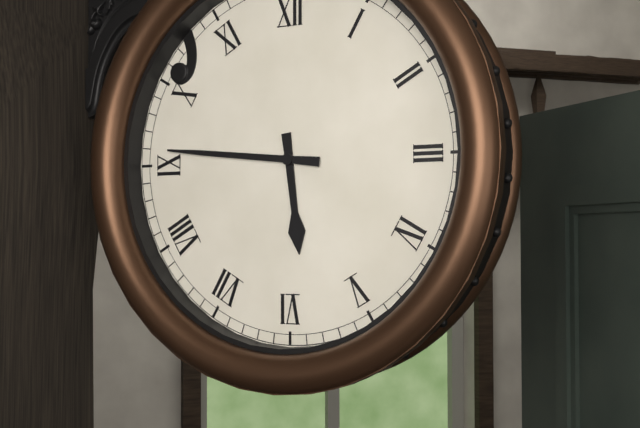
5:46
